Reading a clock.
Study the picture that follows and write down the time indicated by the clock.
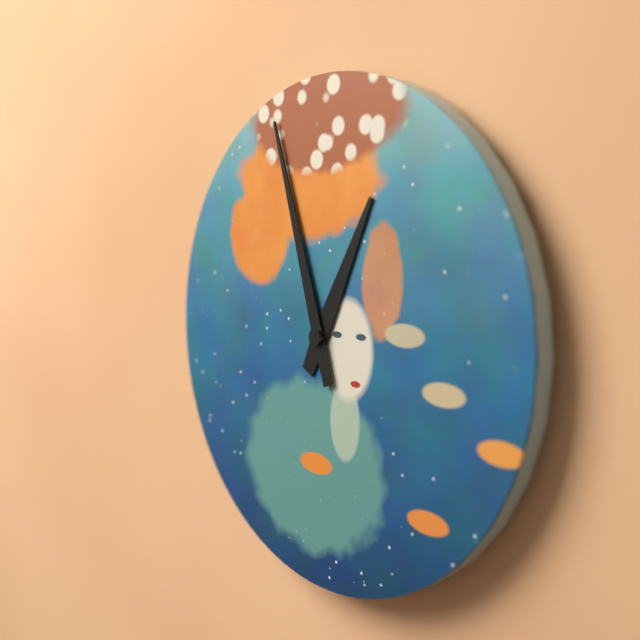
12:57
